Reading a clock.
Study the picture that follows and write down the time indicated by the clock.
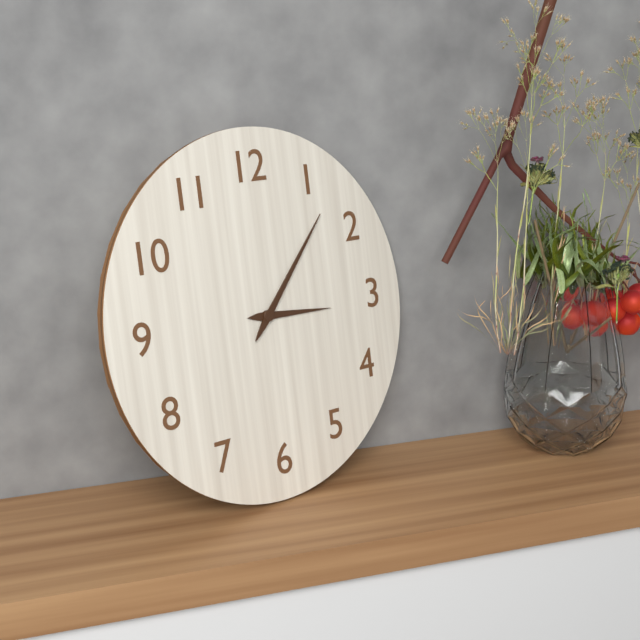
3:07
